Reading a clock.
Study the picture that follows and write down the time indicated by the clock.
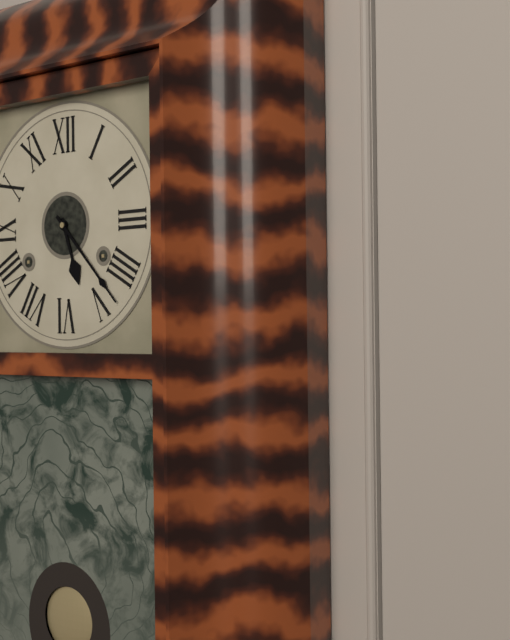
5:23
